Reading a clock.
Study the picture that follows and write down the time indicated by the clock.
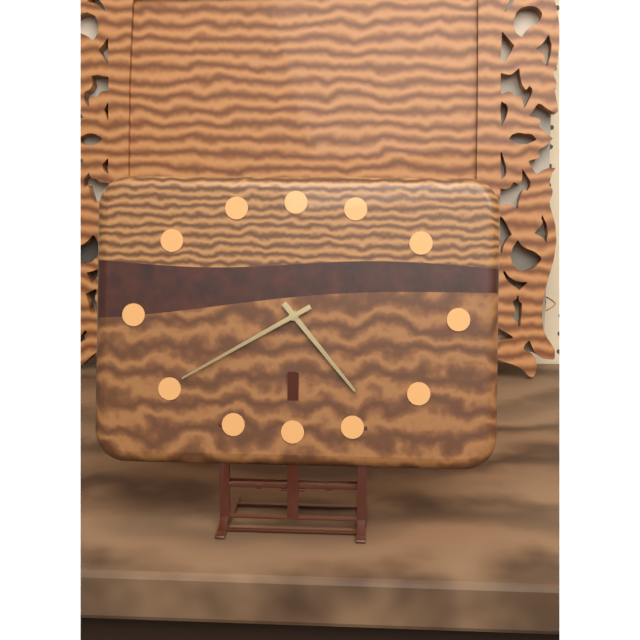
4:40
